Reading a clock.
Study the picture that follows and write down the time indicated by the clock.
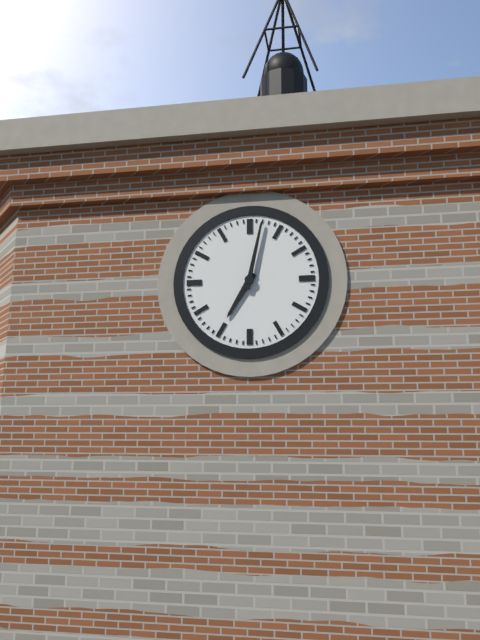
7:02
